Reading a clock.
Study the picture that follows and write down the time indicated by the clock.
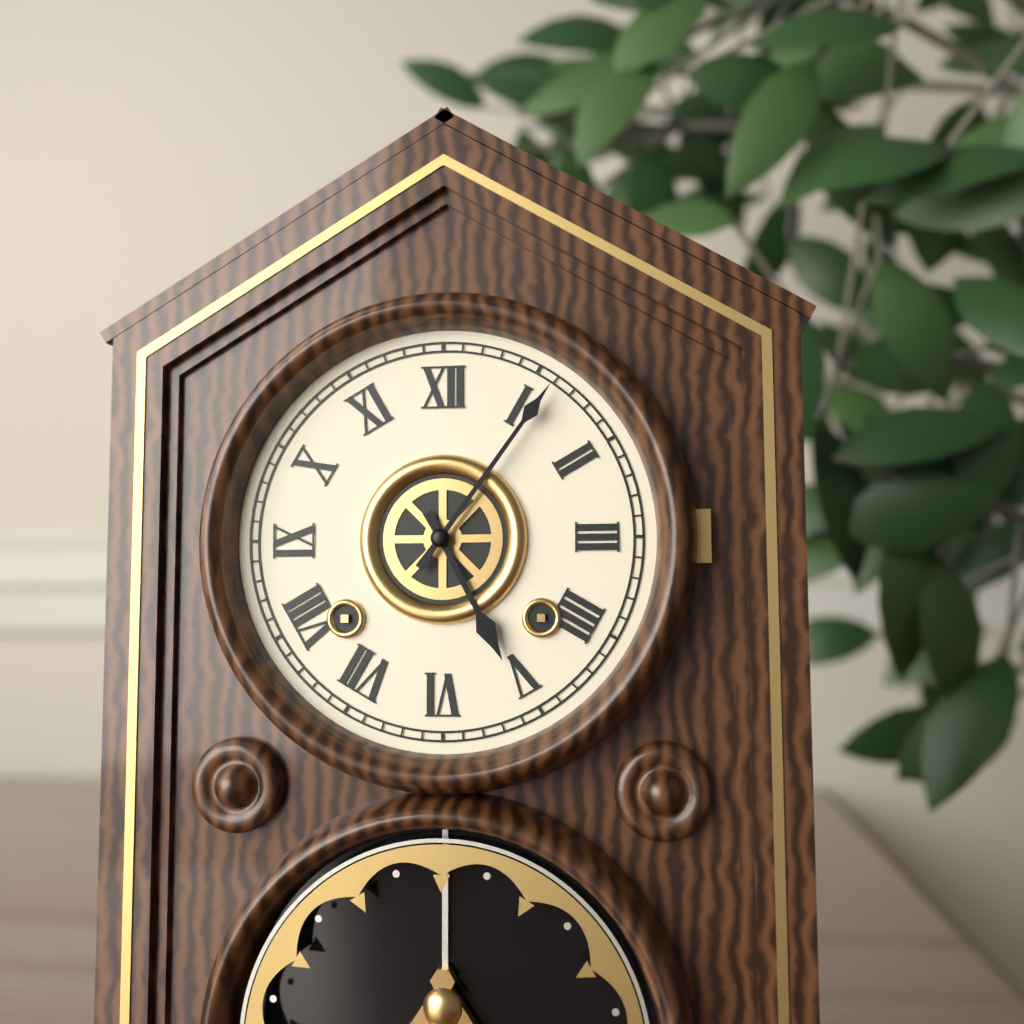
5:06
